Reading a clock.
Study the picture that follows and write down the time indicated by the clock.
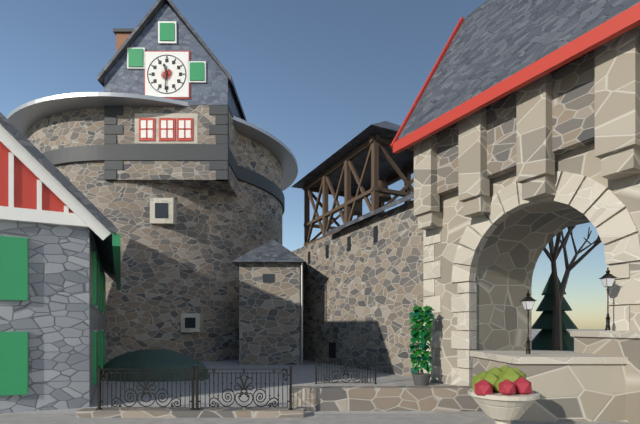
11:31
